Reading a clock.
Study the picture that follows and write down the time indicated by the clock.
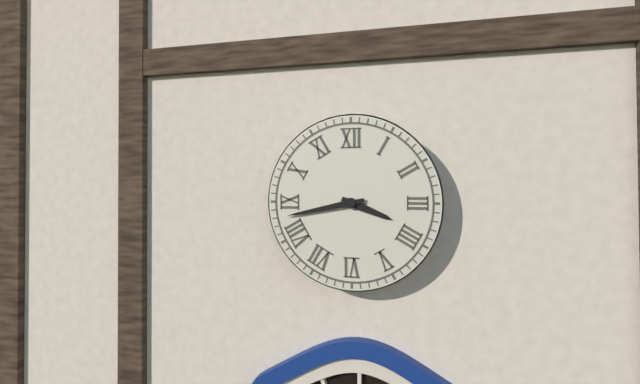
3:43
